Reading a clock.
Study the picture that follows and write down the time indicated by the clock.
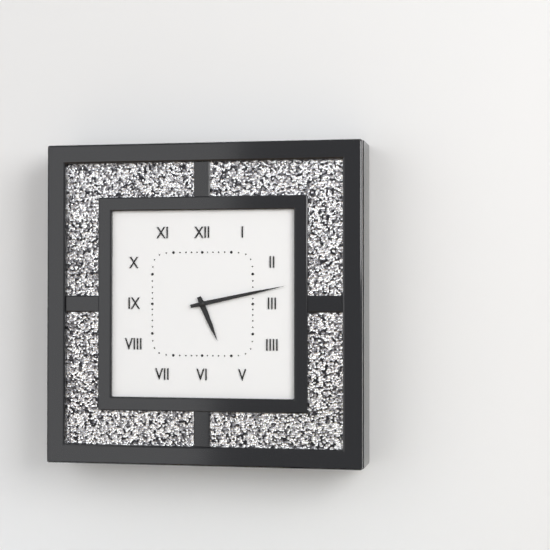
5:13
